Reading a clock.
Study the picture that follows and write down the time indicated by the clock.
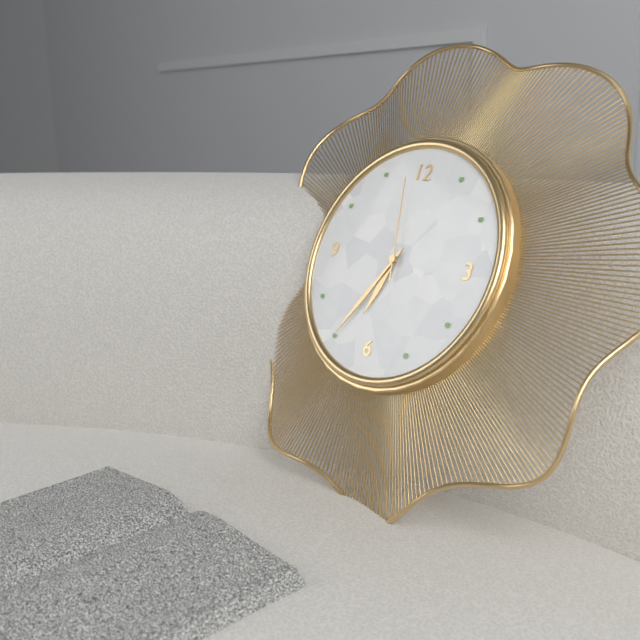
6:35:58
